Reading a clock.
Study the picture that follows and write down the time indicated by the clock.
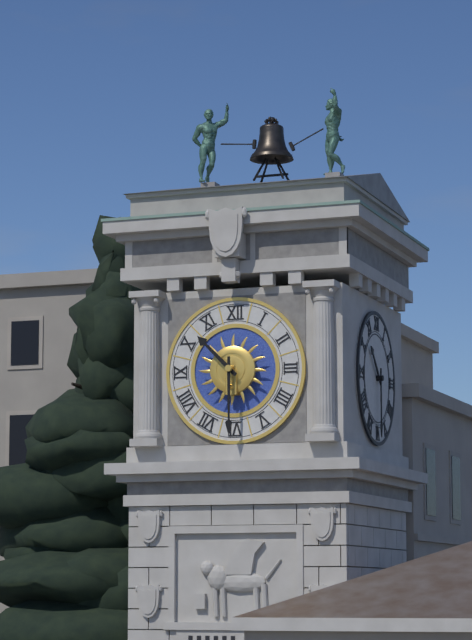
10:30
